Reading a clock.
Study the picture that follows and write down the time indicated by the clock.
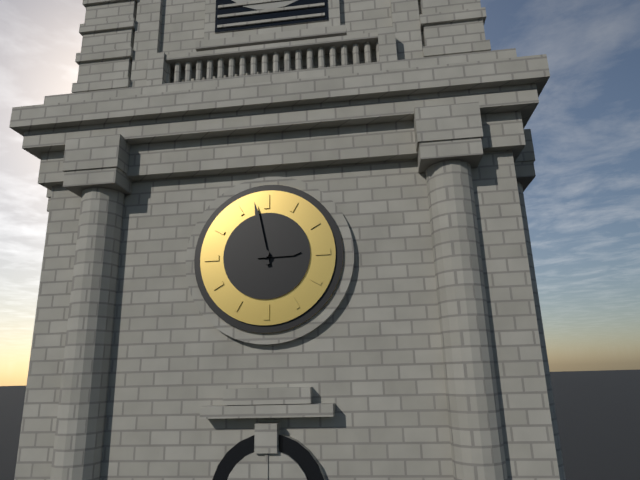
2:58
